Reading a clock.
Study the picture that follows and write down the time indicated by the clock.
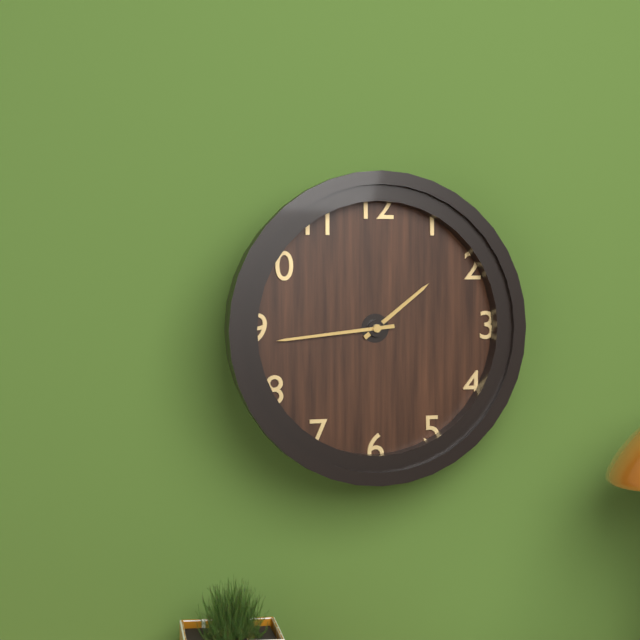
1:44
